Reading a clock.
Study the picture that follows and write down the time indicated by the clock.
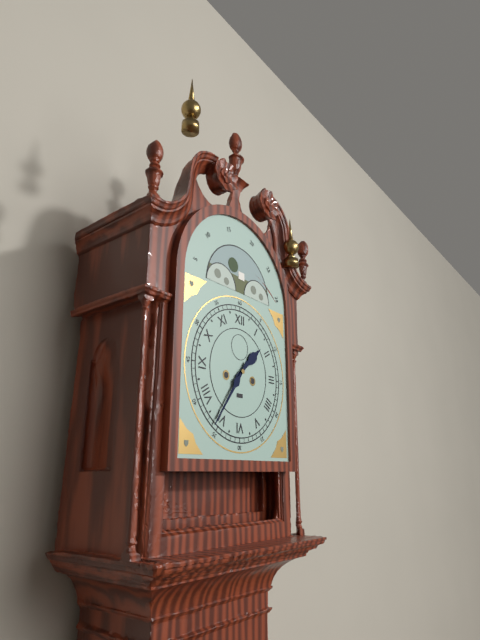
1:36
